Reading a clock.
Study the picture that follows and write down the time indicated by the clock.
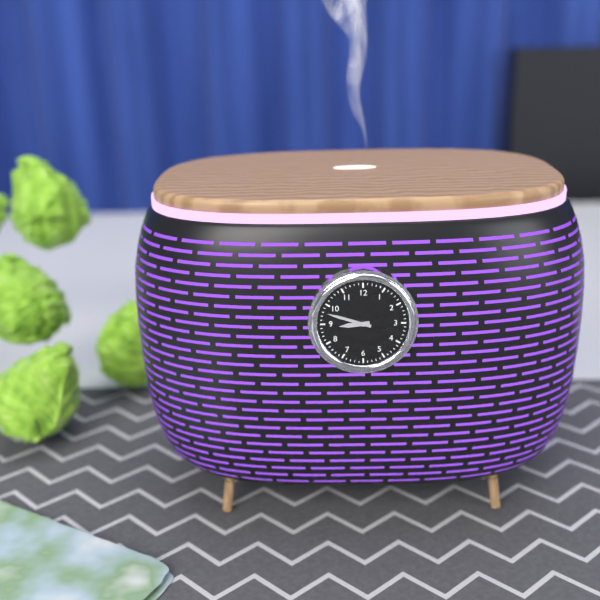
8:48
